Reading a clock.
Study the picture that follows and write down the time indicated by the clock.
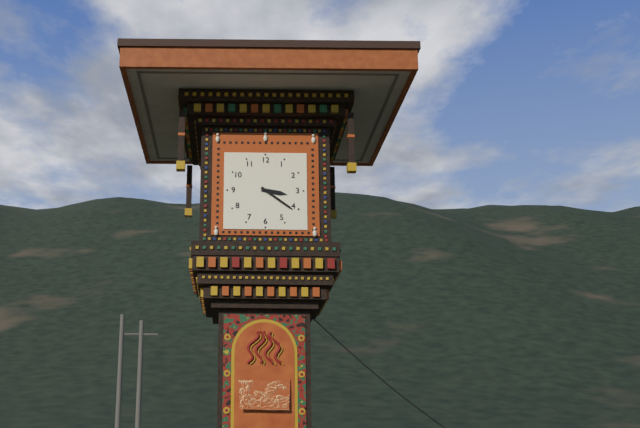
3:21
